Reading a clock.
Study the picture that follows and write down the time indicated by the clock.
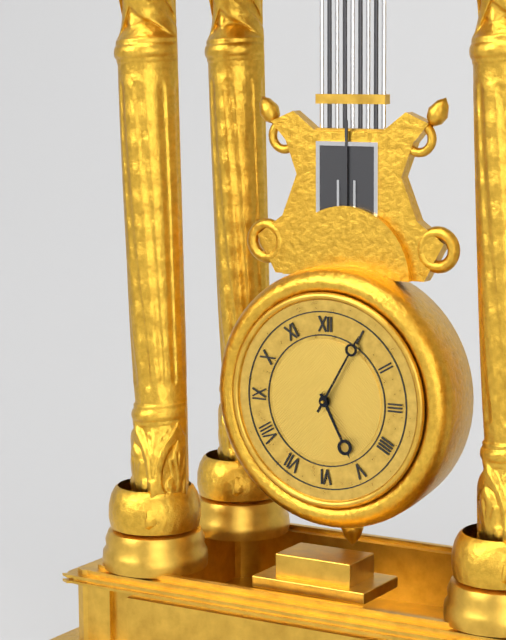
5:05
